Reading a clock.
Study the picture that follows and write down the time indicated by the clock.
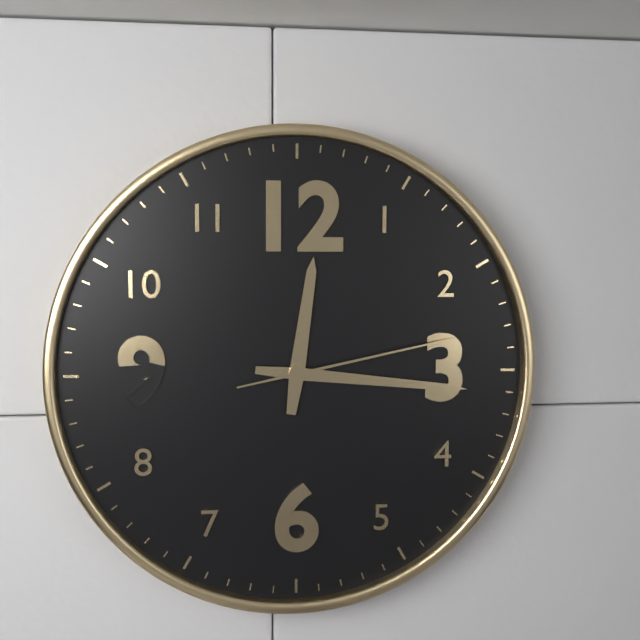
12:16:13
